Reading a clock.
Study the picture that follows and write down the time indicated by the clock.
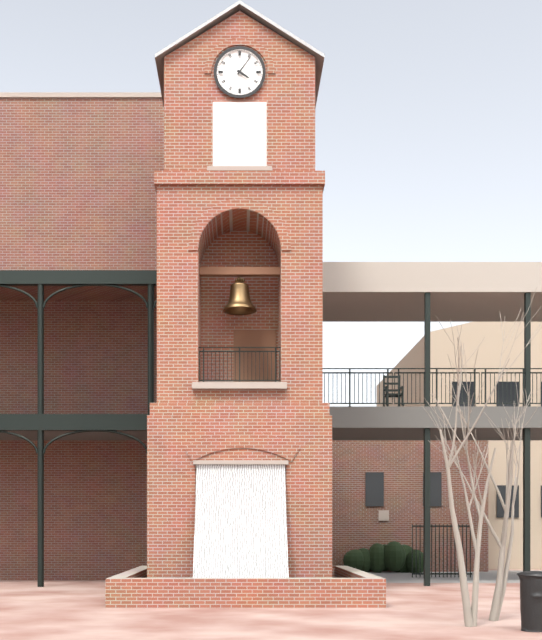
4:06
